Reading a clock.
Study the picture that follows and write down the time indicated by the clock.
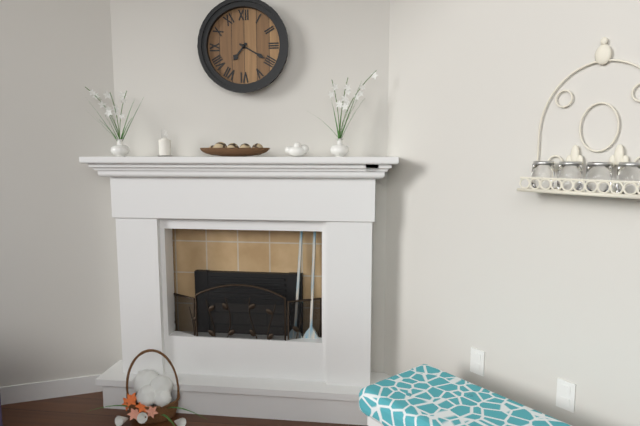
7:20
